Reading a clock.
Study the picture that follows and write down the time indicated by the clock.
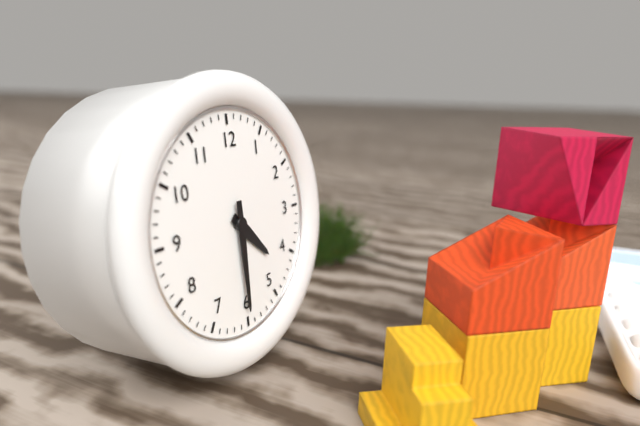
4:30
